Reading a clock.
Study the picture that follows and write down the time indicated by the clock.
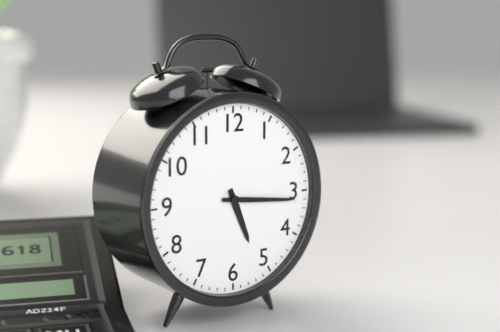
5:16
